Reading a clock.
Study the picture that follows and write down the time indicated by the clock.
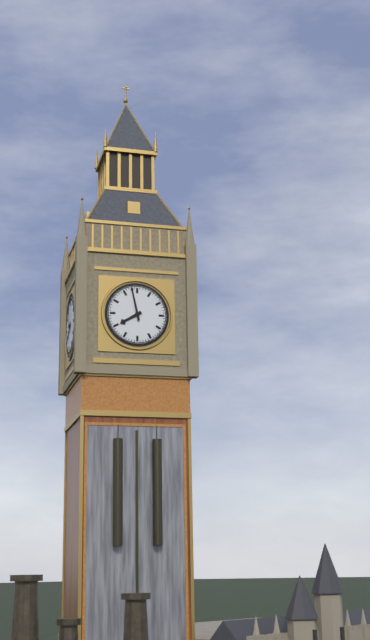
7:58
